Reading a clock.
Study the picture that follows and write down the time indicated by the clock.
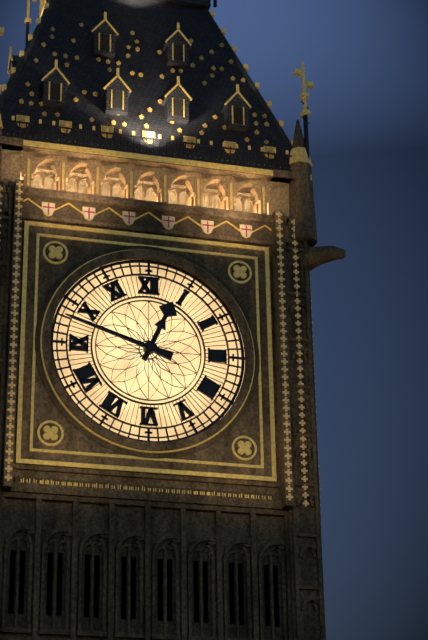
12:48
